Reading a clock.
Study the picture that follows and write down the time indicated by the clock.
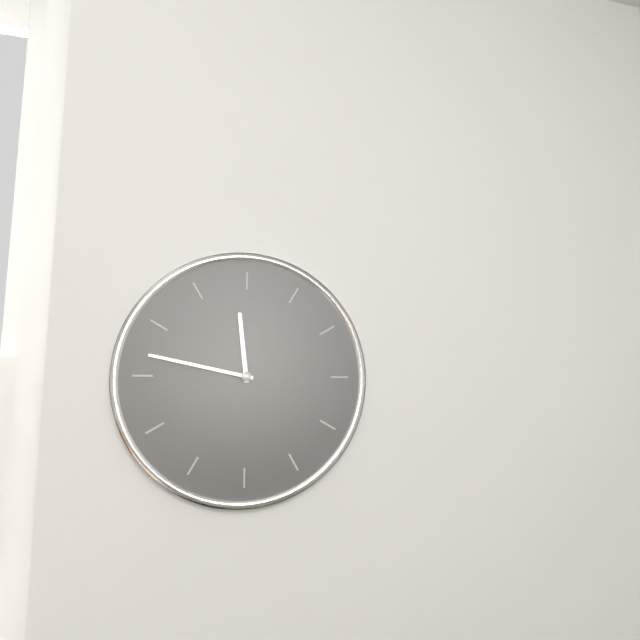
11:47
